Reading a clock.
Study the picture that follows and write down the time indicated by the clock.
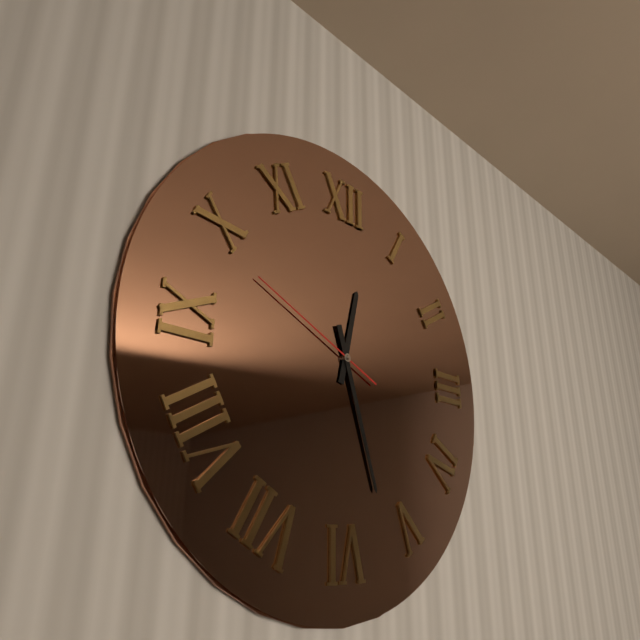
12:27:49
